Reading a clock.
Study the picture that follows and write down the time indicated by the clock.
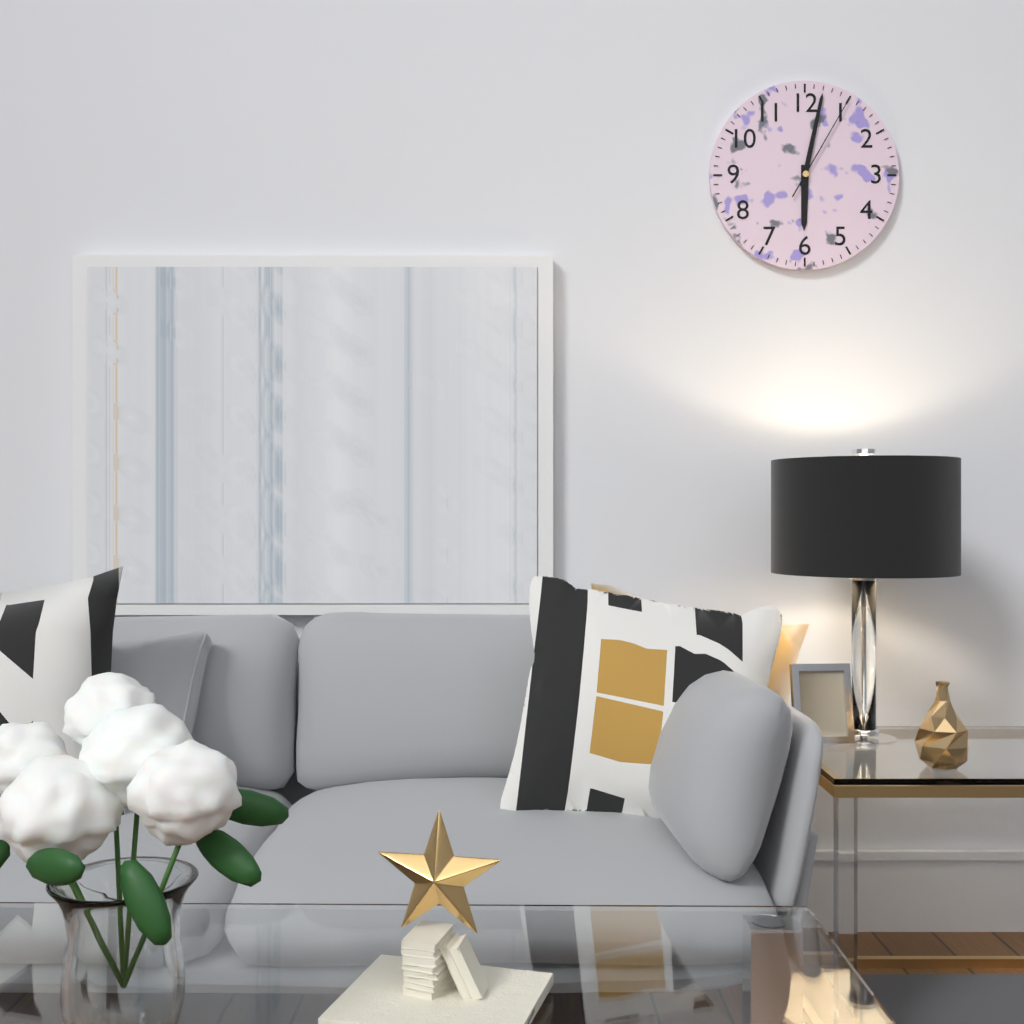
6:02:05
